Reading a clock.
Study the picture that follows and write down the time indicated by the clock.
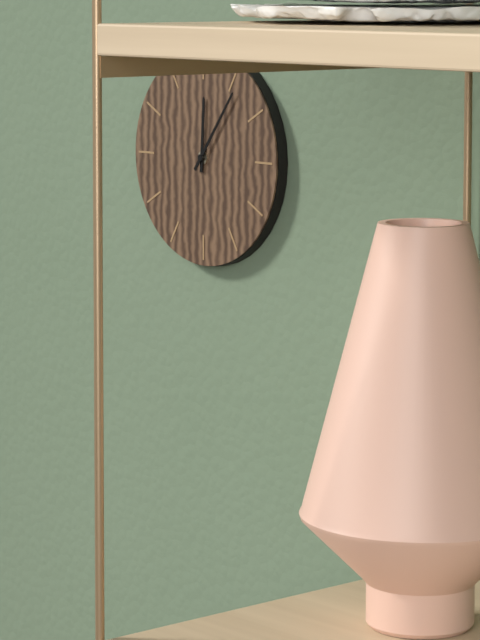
12:06
